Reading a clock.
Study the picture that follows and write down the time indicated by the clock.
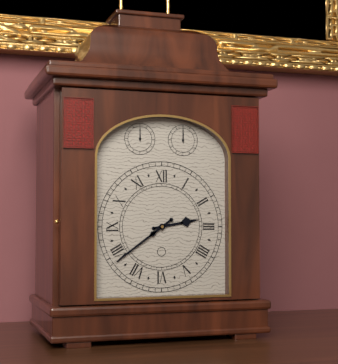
2:39
